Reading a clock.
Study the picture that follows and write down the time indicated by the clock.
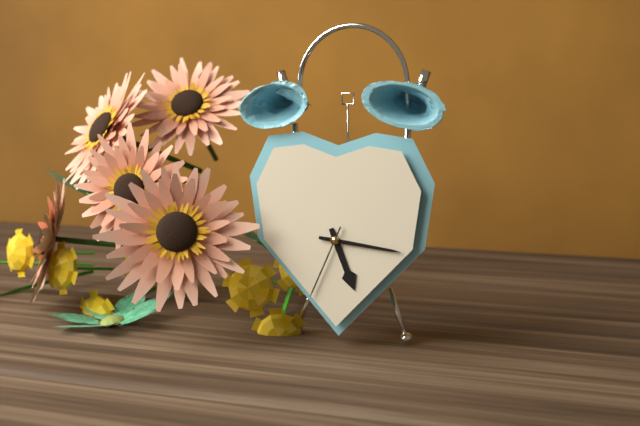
5:16:34
